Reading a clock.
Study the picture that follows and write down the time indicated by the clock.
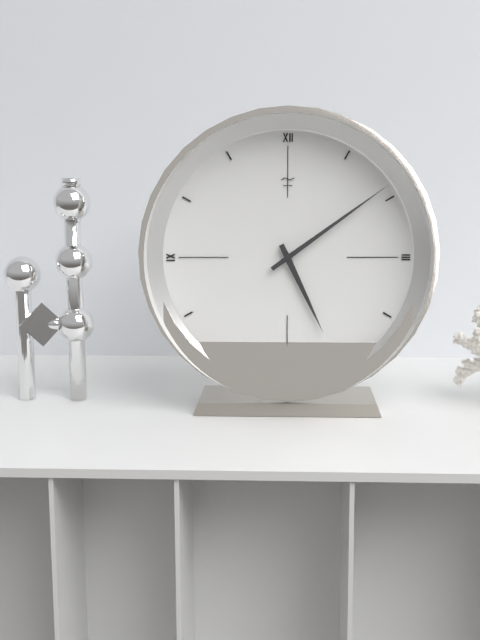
5:09
